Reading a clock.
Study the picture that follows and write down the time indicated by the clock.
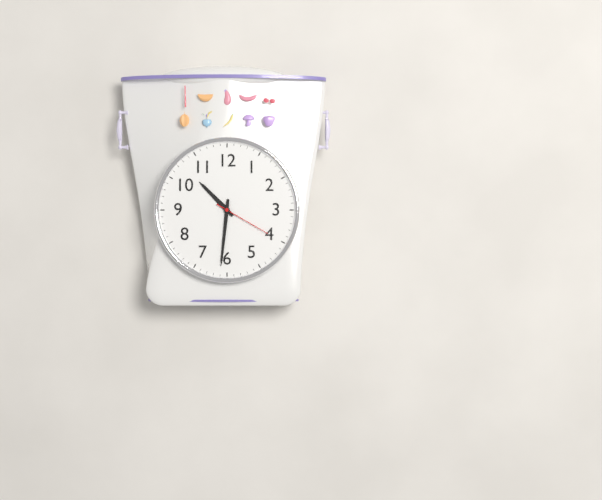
10:31:20
